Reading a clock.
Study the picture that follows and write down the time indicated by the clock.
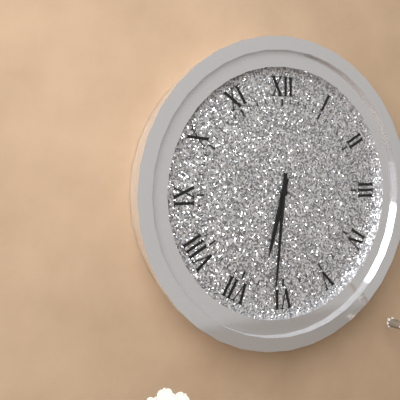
6:31
